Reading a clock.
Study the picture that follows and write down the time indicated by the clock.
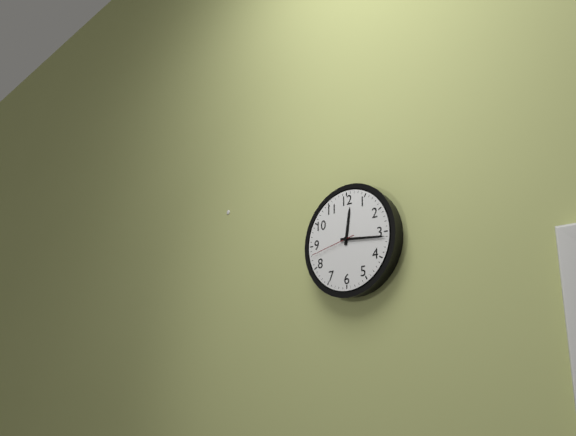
12:16
